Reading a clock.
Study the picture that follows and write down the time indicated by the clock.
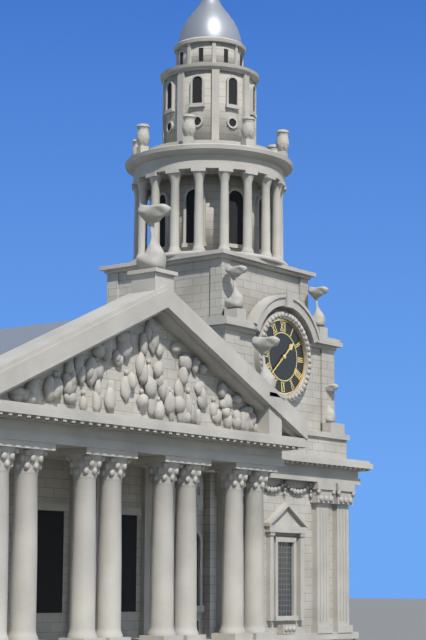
1:38
